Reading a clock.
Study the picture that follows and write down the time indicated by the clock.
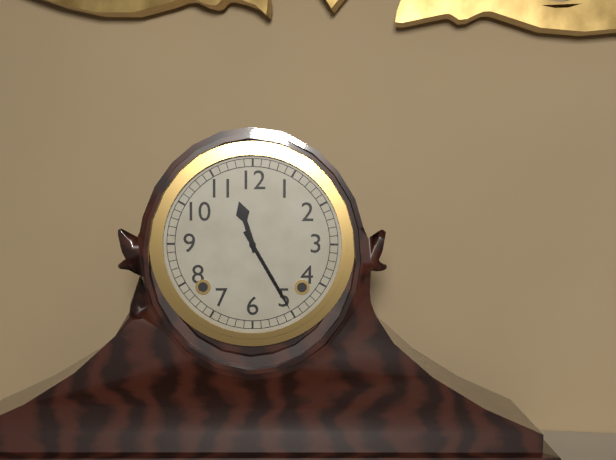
11:25
